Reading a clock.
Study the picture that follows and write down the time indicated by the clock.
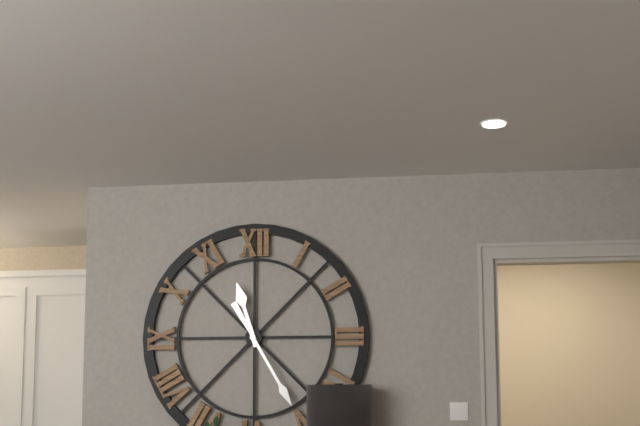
11:25
